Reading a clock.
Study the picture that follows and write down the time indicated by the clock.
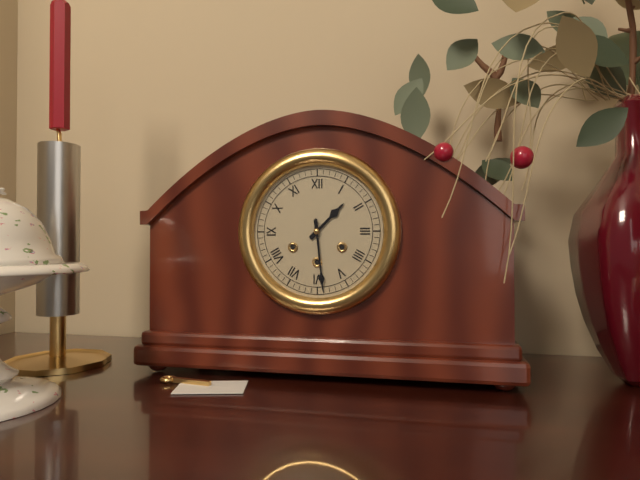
1:29
